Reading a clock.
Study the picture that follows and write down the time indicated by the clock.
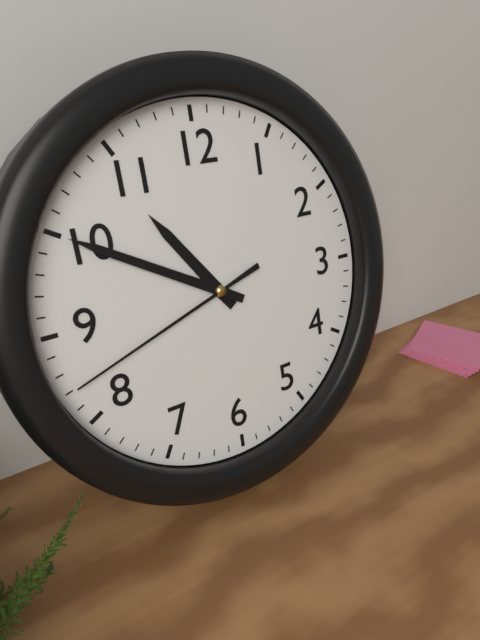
10:50:42
